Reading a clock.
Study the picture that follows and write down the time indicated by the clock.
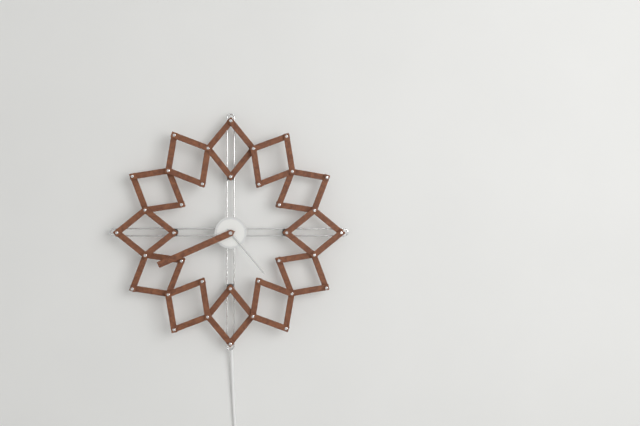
4:41
